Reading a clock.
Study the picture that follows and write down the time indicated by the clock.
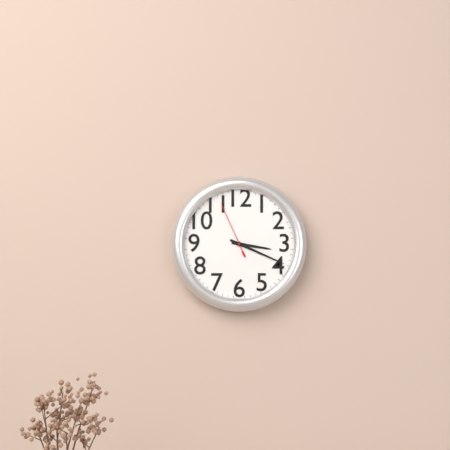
3:19:56
